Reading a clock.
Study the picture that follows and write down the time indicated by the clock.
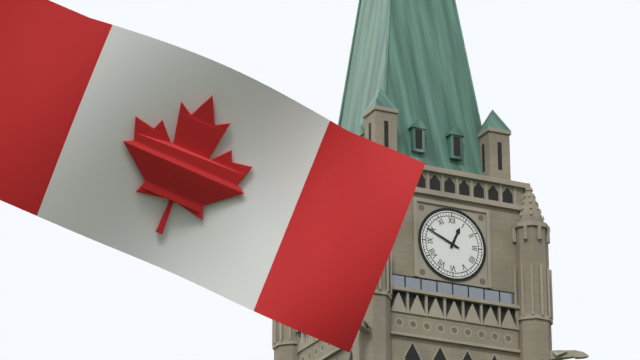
12:49
